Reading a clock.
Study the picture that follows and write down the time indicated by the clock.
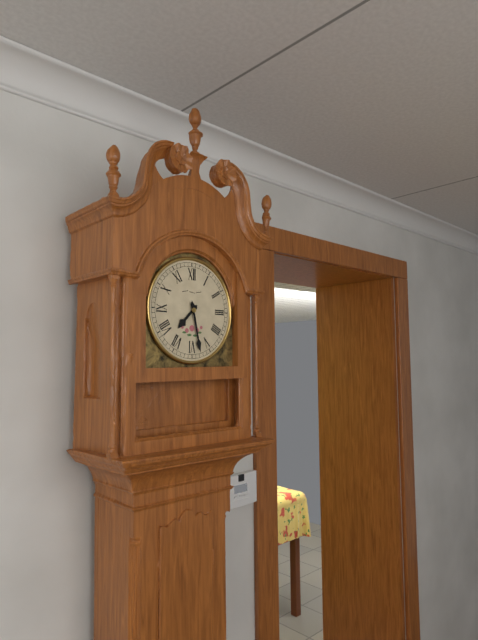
7:28
